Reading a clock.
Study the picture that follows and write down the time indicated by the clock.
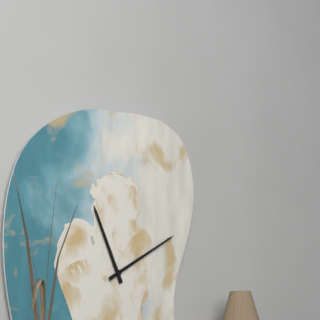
11:10
